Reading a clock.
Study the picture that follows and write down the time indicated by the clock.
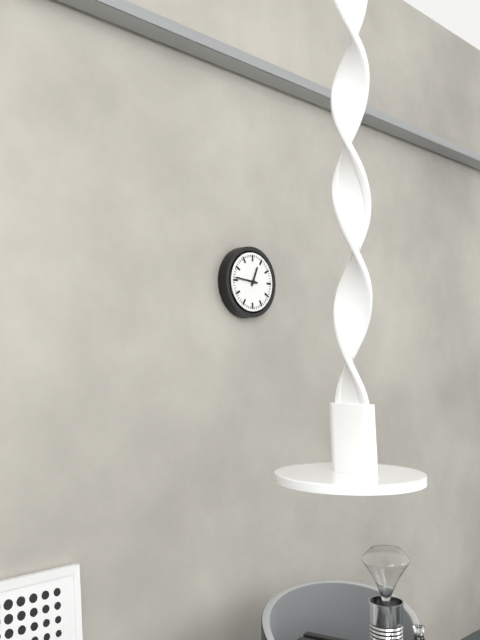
12:46
